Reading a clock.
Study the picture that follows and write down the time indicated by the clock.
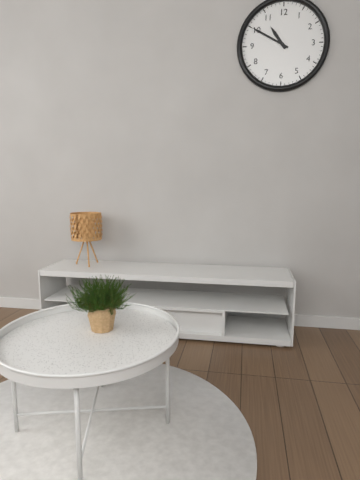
10:50
